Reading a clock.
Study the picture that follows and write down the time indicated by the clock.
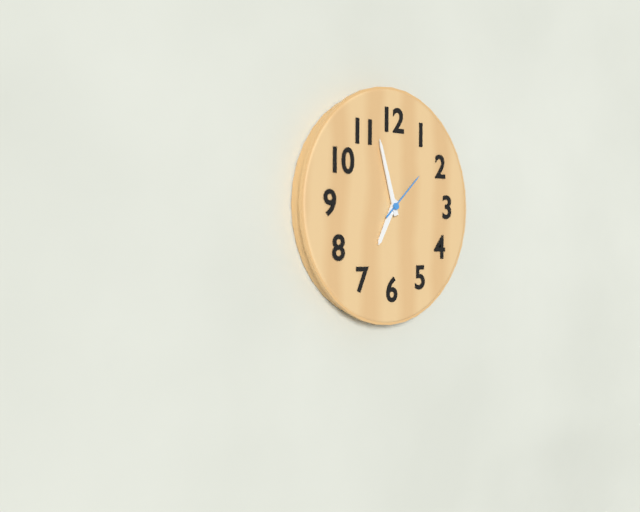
6:57
